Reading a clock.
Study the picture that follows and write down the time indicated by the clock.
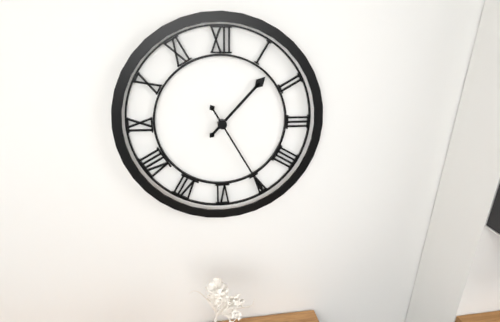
1:25
